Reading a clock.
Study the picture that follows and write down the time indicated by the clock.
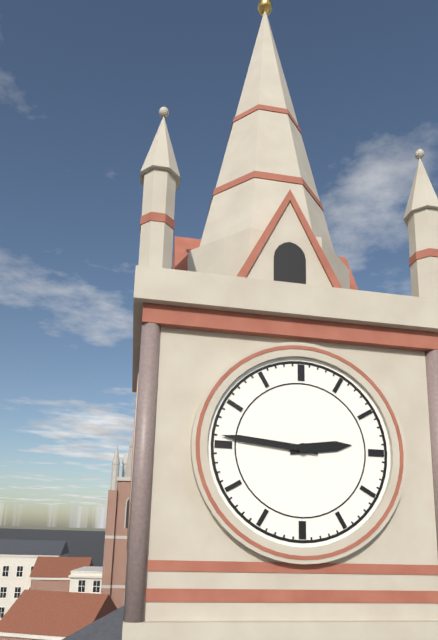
2:46
